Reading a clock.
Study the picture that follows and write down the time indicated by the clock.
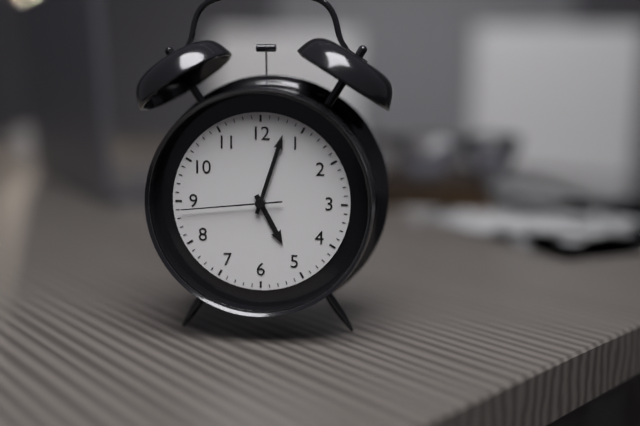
5:03:44
